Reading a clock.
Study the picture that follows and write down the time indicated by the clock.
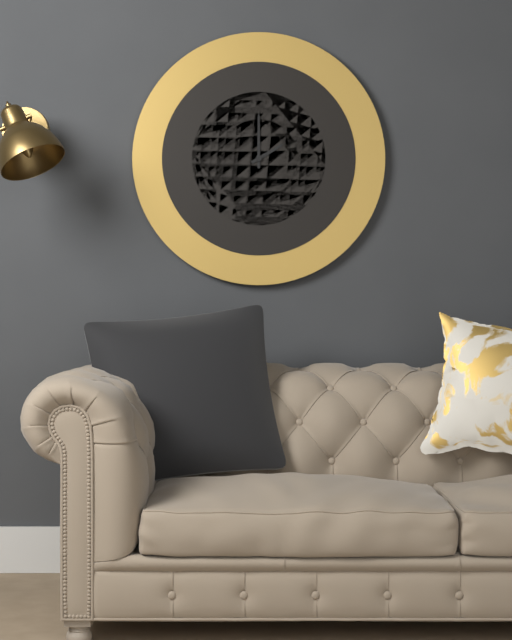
2:00
